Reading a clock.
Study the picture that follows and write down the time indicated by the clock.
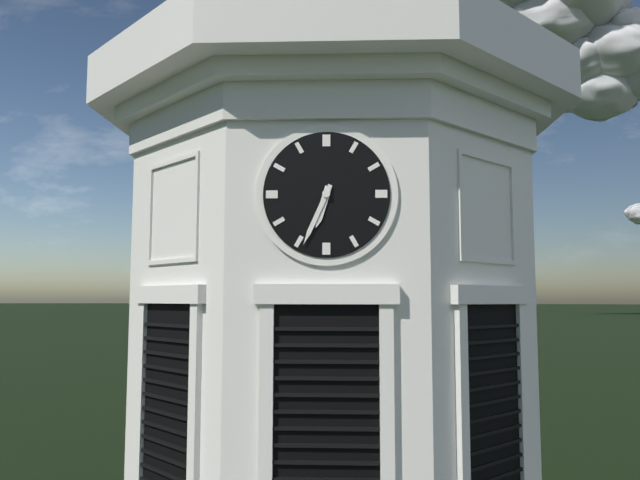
6:34
